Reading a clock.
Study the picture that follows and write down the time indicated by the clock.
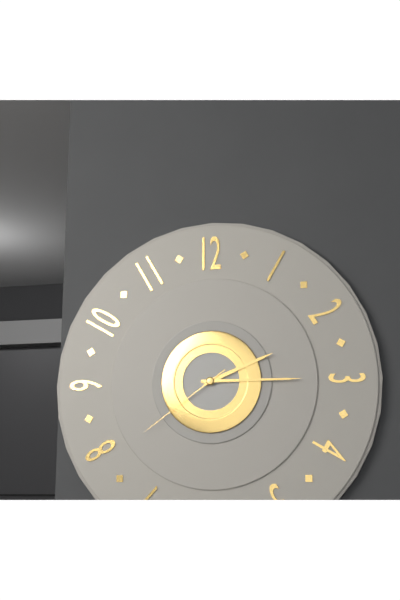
2:15:39
